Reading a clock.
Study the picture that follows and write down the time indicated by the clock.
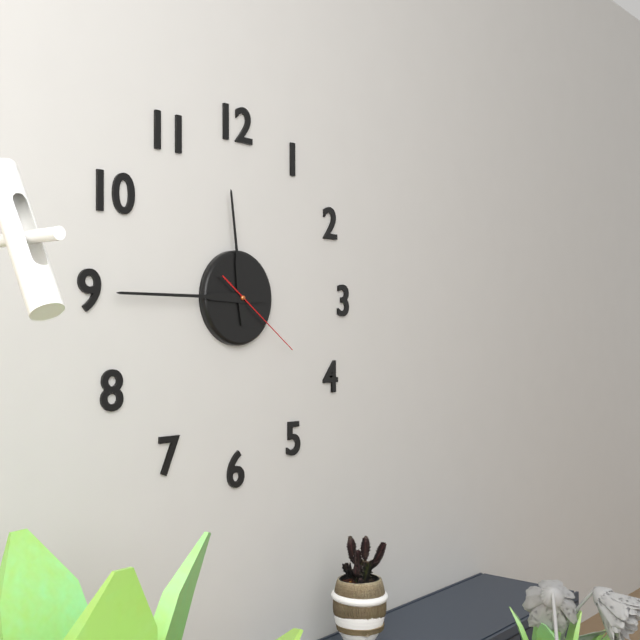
11:45:21
